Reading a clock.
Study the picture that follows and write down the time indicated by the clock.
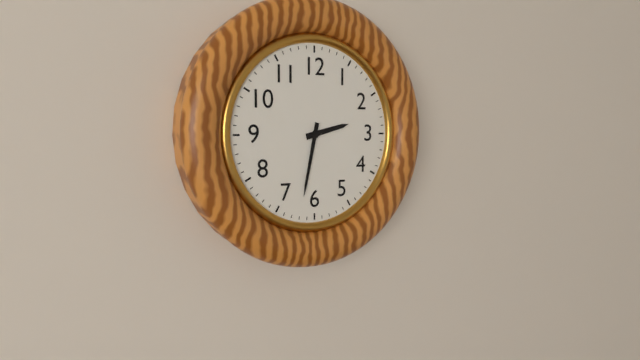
2:32
